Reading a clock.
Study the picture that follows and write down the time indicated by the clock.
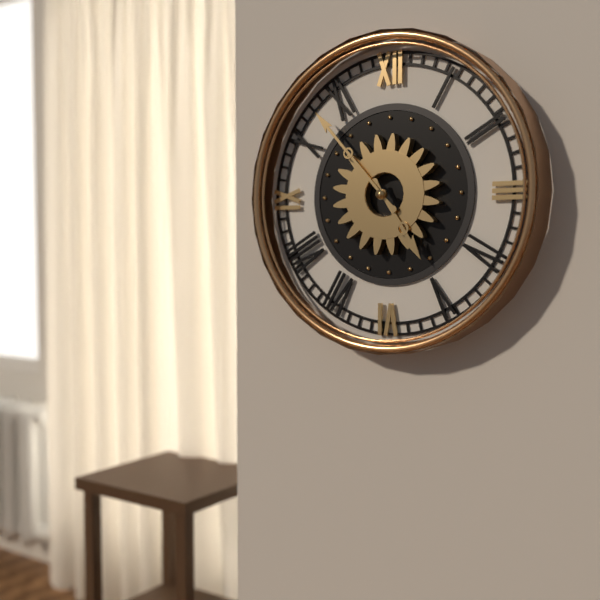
4:53
